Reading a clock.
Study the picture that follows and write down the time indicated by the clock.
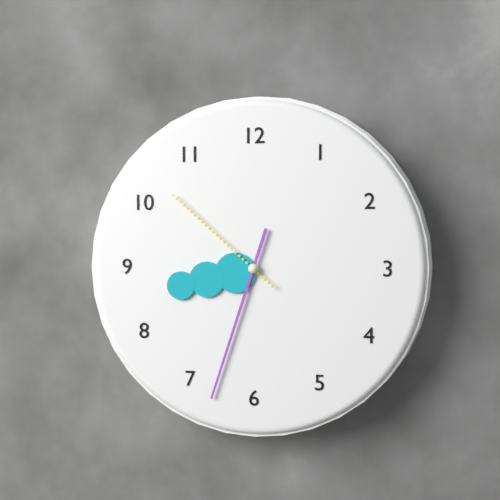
8:33:52
